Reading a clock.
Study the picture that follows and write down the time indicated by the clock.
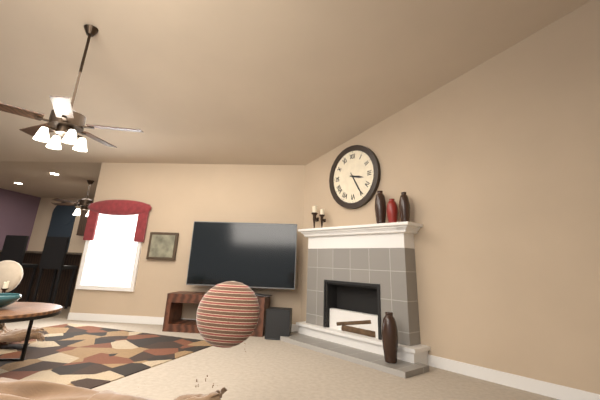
3:25
